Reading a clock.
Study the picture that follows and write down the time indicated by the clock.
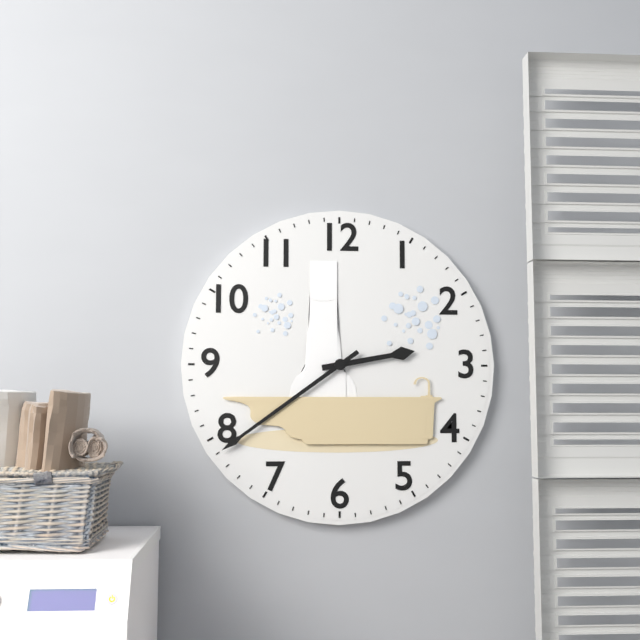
2:39
